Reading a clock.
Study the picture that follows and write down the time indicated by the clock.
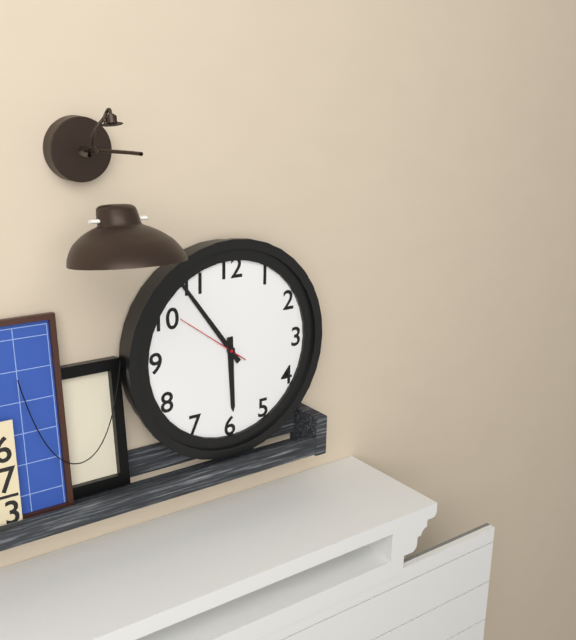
5:54:51
